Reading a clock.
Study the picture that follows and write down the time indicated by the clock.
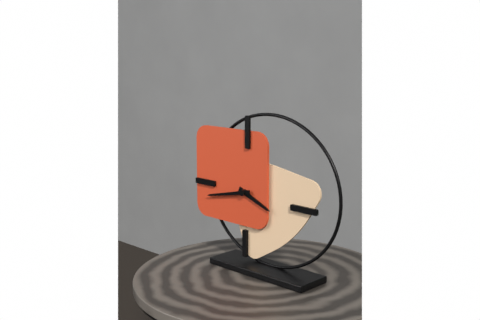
3:43
